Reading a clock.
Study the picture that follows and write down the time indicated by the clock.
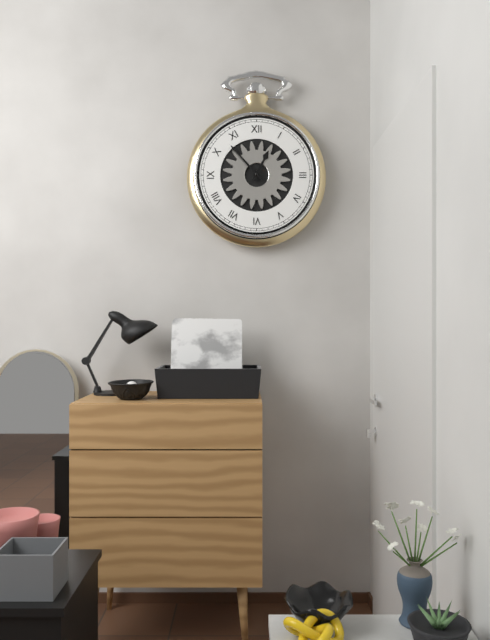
12:53
